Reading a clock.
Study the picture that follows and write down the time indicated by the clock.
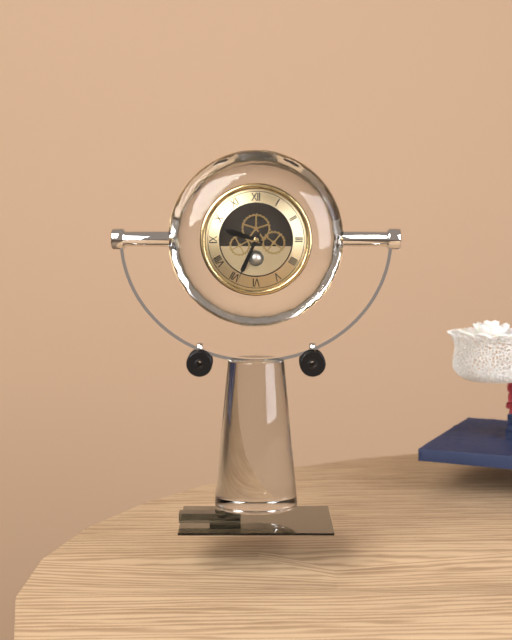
9:34
